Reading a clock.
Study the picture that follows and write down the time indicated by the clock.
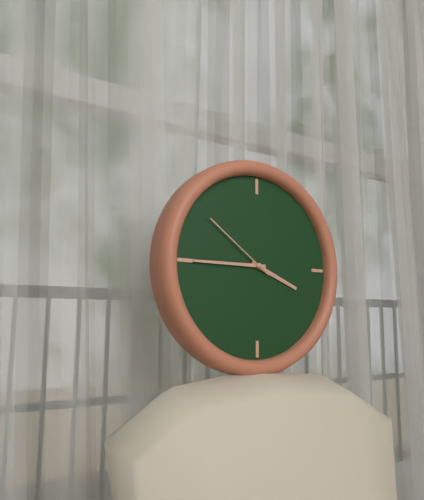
3:45:51
